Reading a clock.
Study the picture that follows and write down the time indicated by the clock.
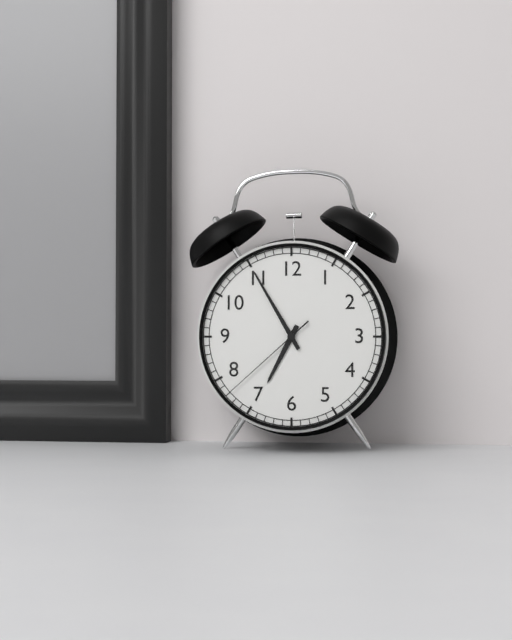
6:55:38
